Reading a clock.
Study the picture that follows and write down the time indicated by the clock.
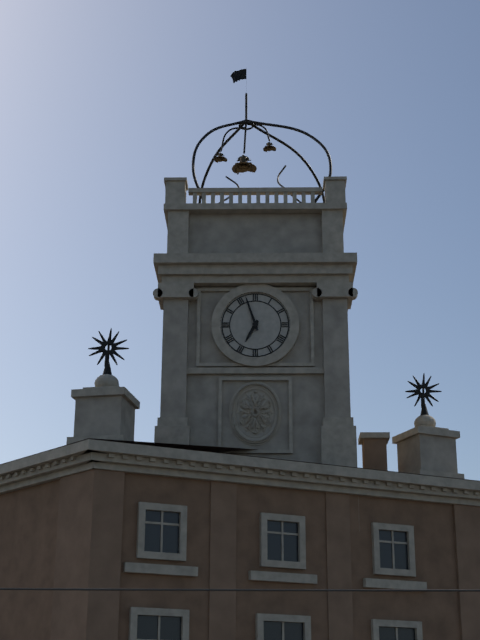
6:57
